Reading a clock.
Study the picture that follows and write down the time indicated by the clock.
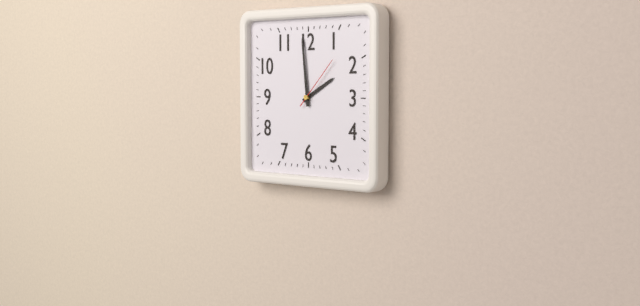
1:59:07
